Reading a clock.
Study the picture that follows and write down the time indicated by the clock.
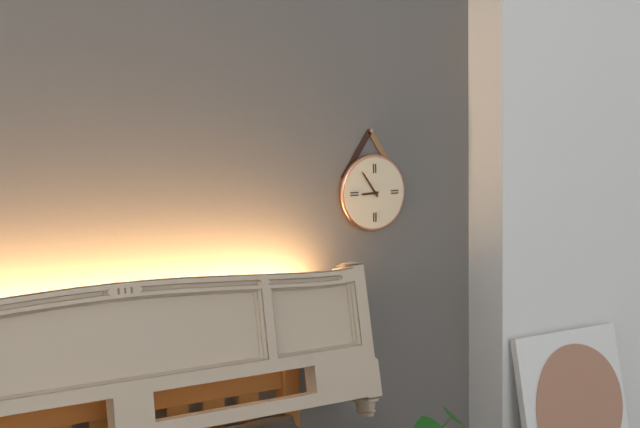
8:54
